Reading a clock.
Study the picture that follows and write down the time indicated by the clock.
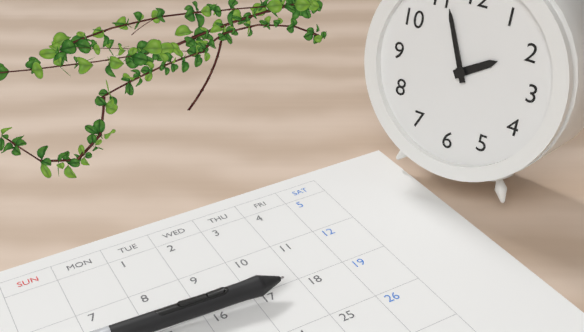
1:56
